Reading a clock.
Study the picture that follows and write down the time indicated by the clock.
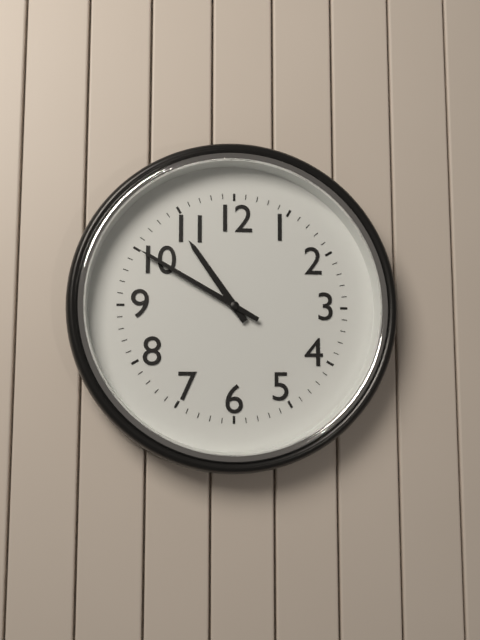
10:50
